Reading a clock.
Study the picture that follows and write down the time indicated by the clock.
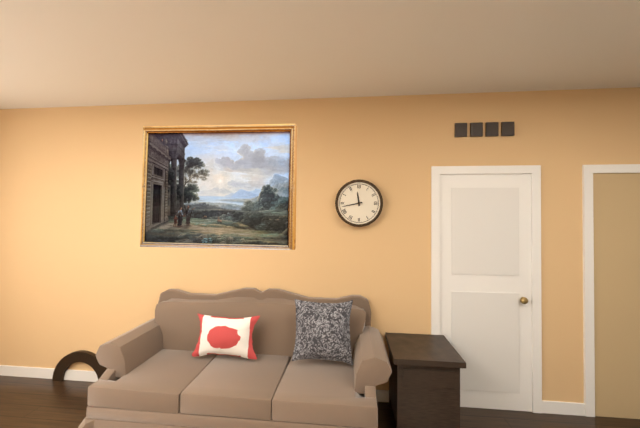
11:43
